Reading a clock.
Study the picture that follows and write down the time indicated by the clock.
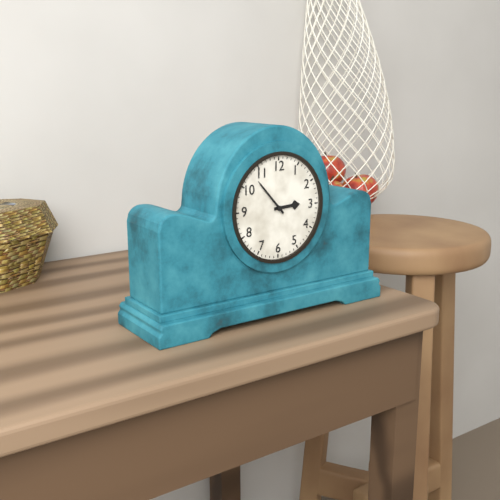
2:53
